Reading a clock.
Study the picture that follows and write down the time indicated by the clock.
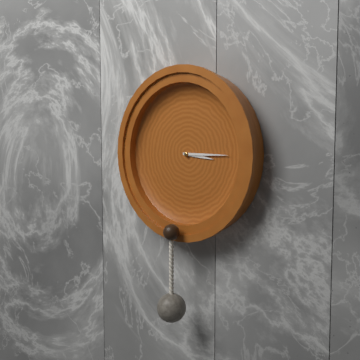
3:15
